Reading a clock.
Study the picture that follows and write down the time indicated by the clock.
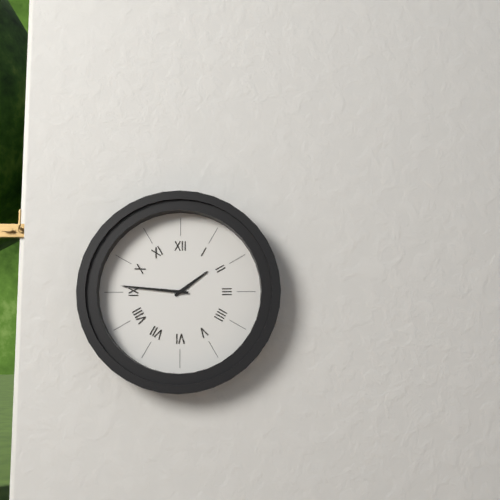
1:46
